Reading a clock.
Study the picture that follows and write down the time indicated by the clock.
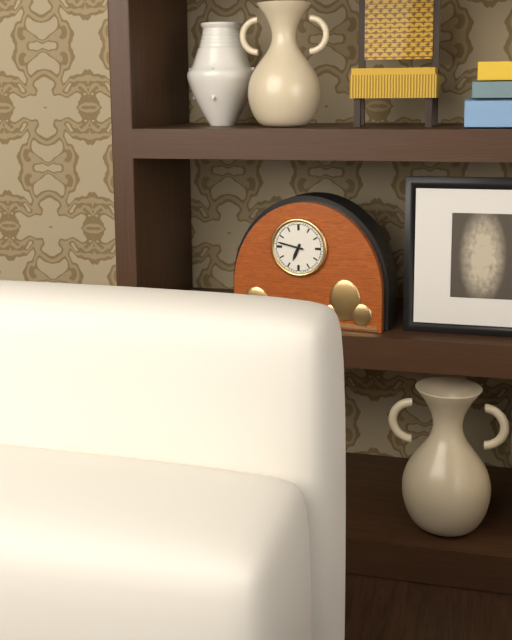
6:47
